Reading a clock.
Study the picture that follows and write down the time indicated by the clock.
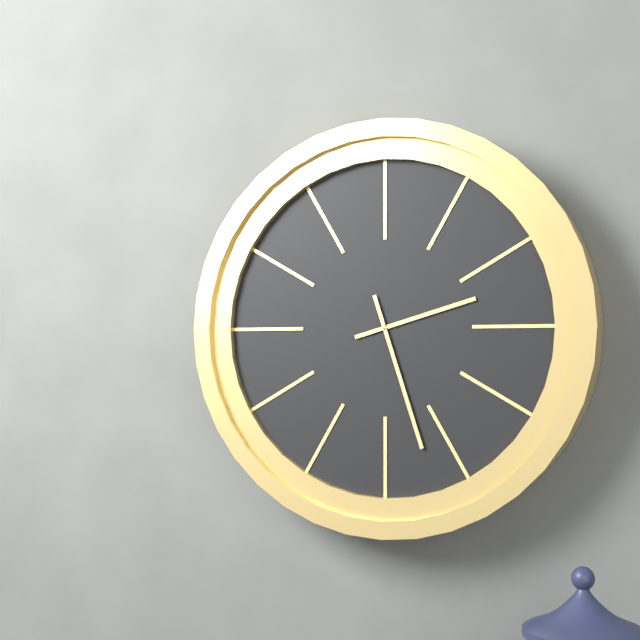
2:27
